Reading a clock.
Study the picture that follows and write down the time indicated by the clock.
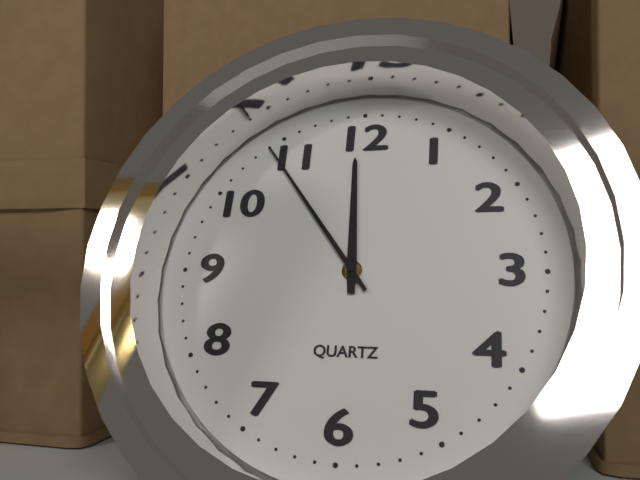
11:54
